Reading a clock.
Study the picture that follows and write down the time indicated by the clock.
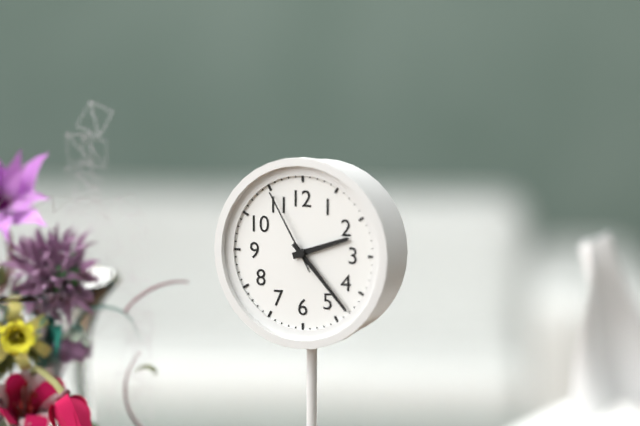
2:23:55
